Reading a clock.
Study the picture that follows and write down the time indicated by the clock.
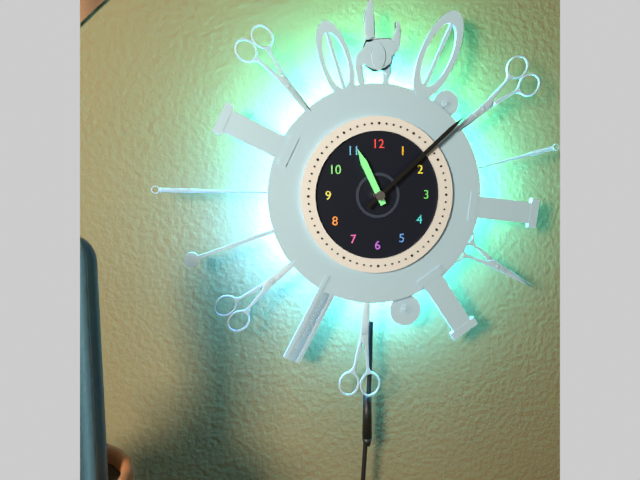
11:08
